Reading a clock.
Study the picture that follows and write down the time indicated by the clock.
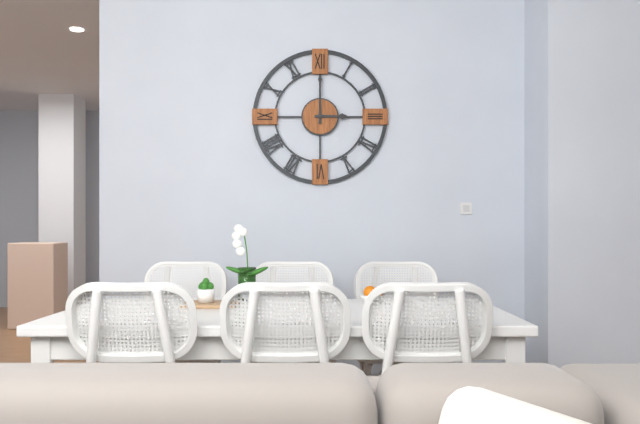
3:00
